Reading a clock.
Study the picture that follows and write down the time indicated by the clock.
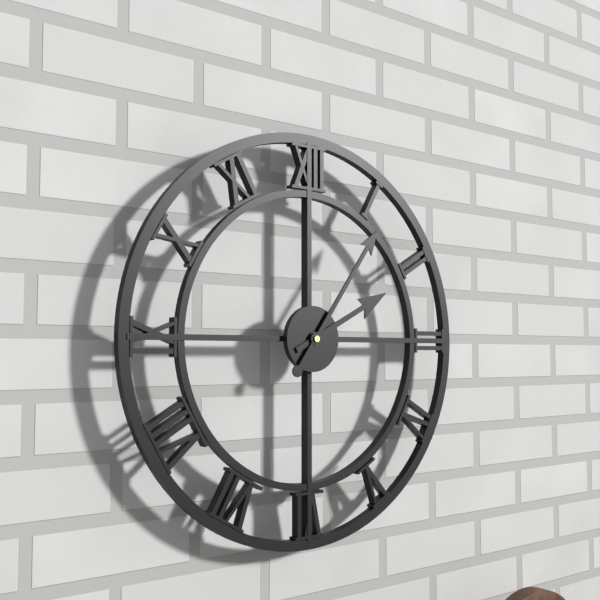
2:06
